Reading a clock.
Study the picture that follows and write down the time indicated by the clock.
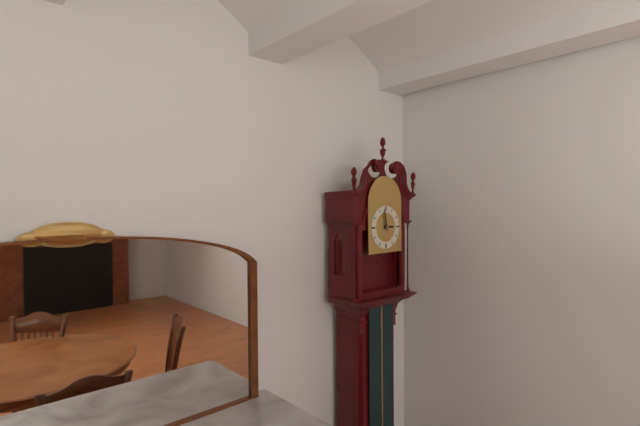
2:58
